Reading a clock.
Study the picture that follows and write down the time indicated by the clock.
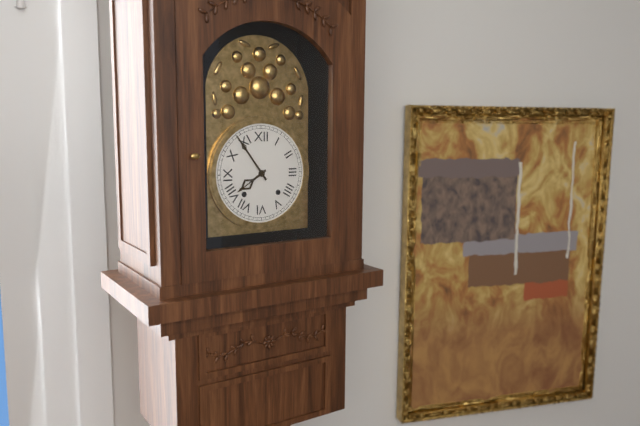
7:54
